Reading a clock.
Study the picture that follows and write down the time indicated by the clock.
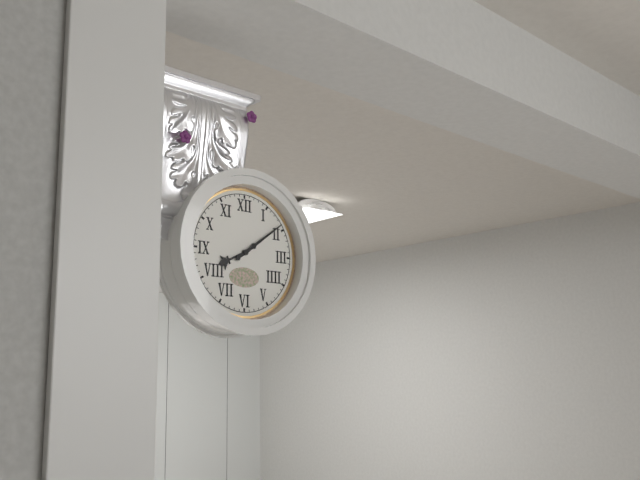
8:09
